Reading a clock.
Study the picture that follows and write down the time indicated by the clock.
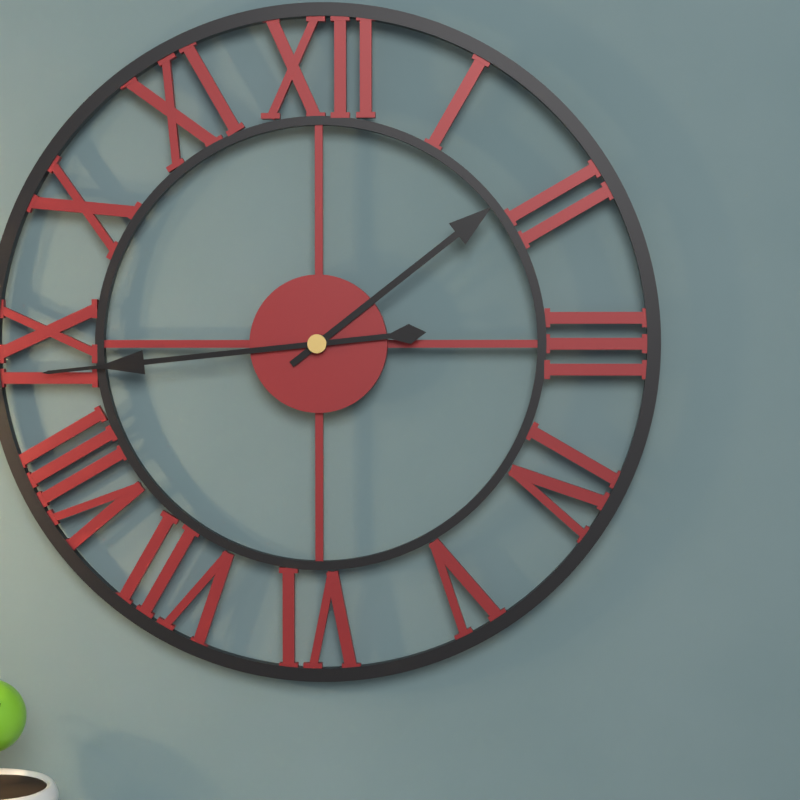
1:44
